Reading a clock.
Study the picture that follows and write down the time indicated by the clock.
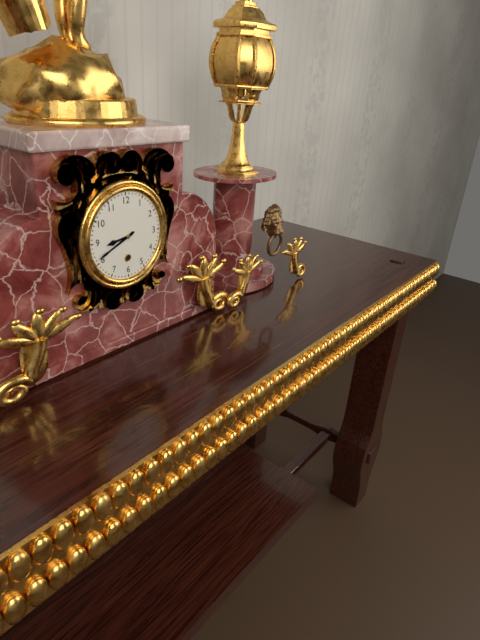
8:41
